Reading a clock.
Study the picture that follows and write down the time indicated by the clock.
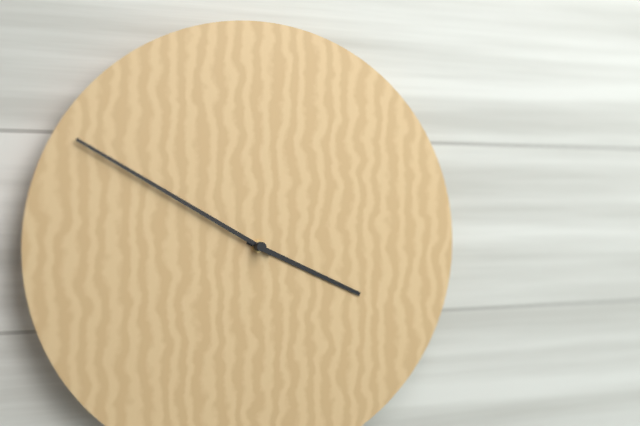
3:50
